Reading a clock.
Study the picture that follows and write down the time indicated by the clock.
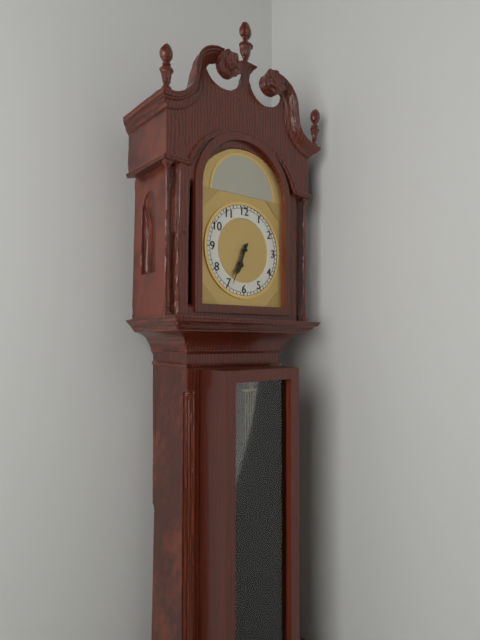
6:34
